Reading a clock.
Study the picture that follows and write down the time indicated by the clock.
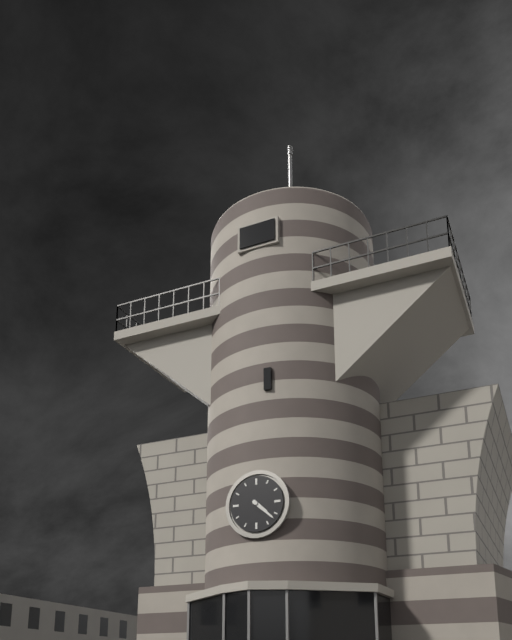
4:22
